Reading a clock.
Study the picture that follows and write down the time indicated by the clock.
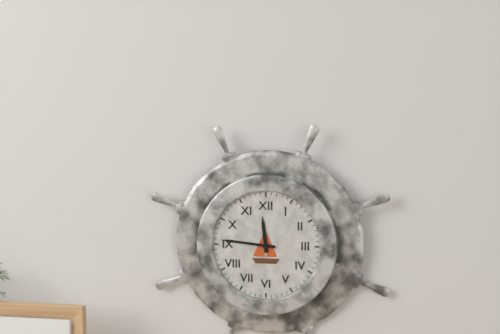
11:46
